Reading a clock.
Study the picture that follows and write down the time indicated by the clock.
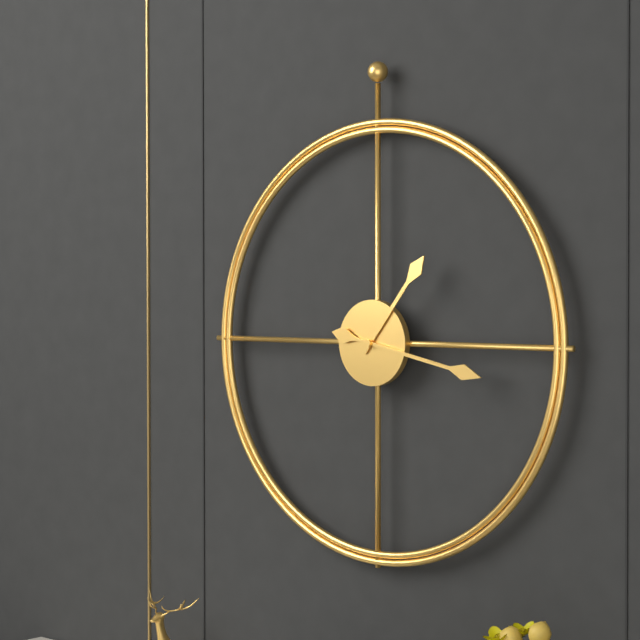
1:17
